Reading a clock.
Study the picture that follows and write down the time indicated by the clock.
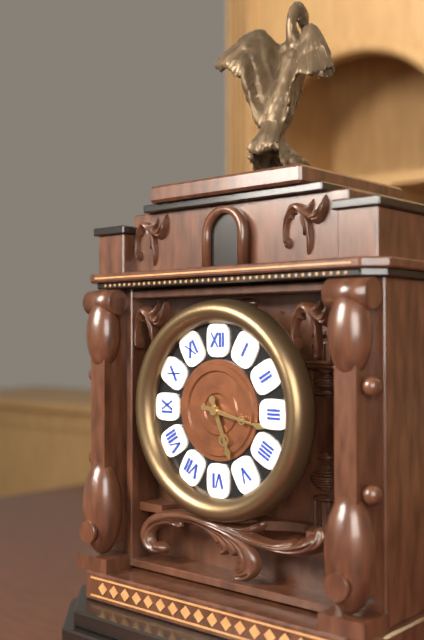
5:17
